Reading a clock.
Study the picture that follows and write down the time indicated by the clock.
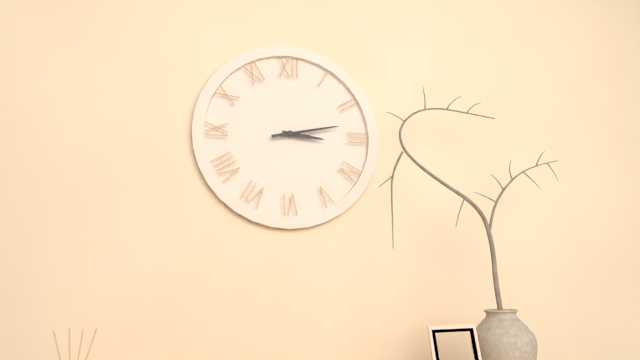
3:13
